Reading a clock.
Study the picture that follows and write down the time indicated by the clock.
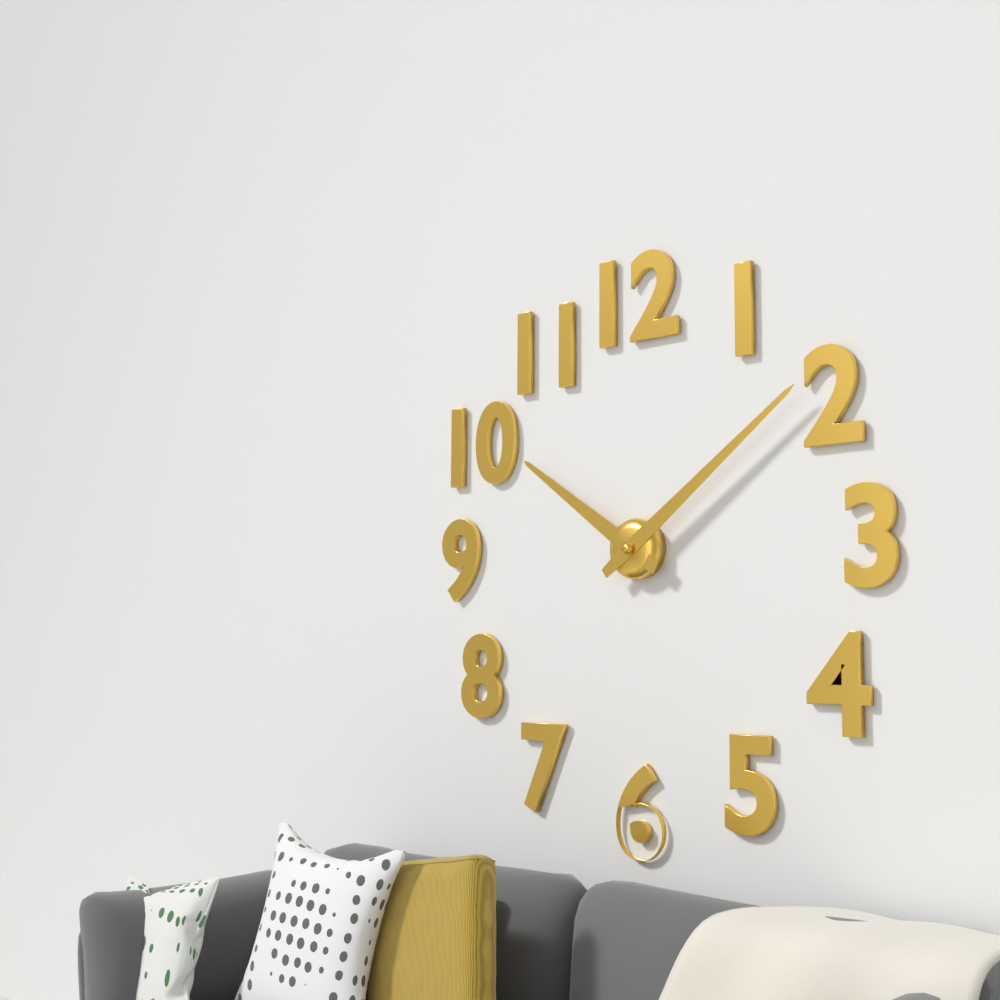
10:09
